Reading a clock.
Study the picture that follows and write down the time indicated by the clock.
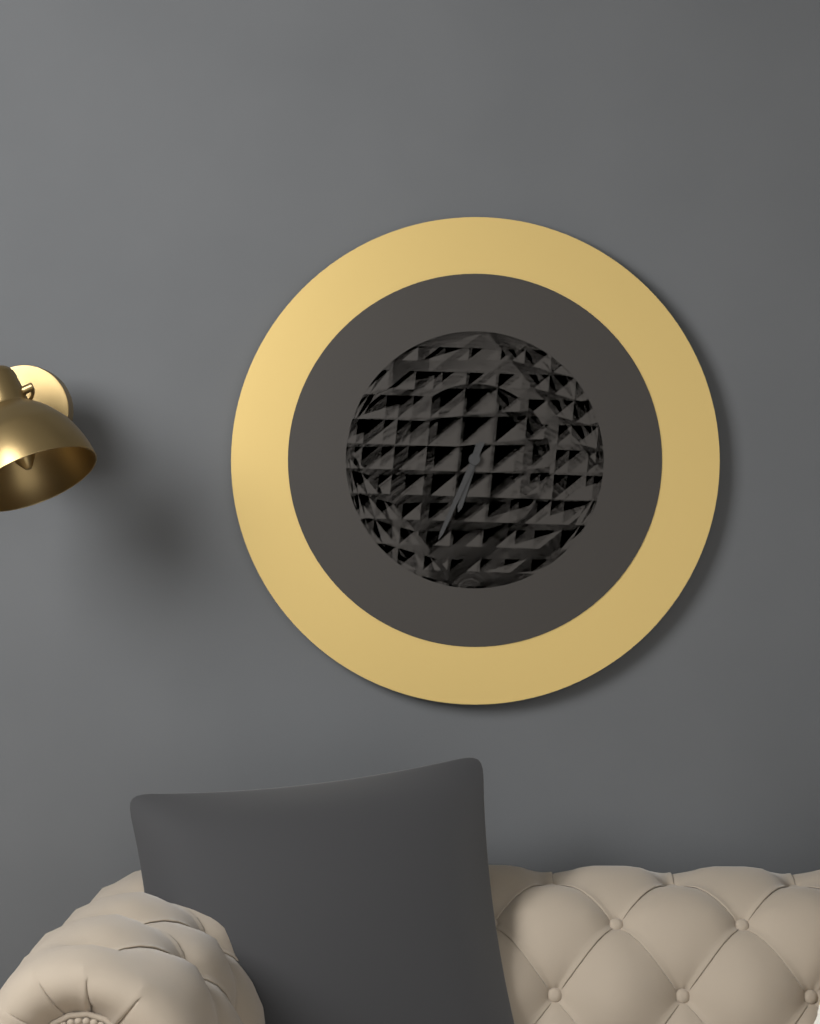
6:34
